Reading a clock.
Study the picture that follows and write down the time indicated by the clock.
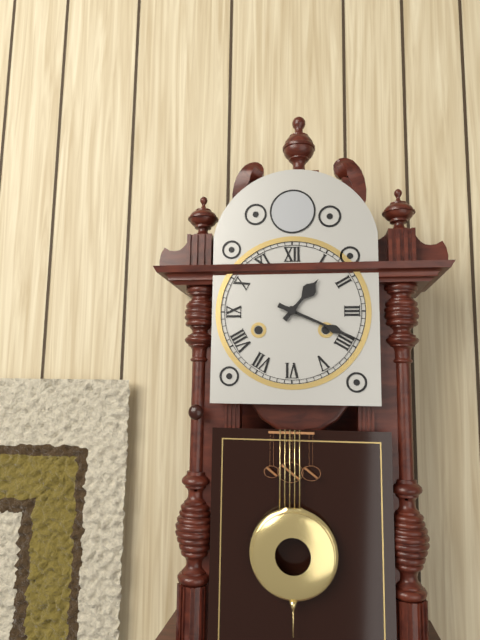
1:19
